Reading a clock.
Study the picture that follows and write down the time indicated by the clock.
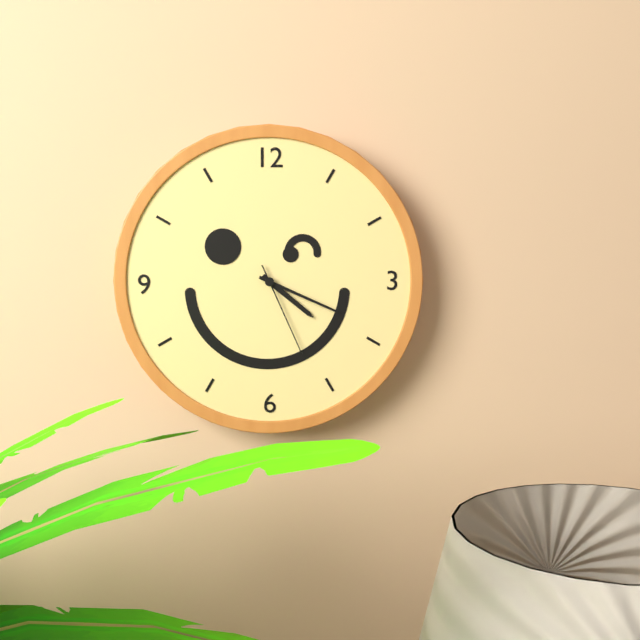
4:19:26
